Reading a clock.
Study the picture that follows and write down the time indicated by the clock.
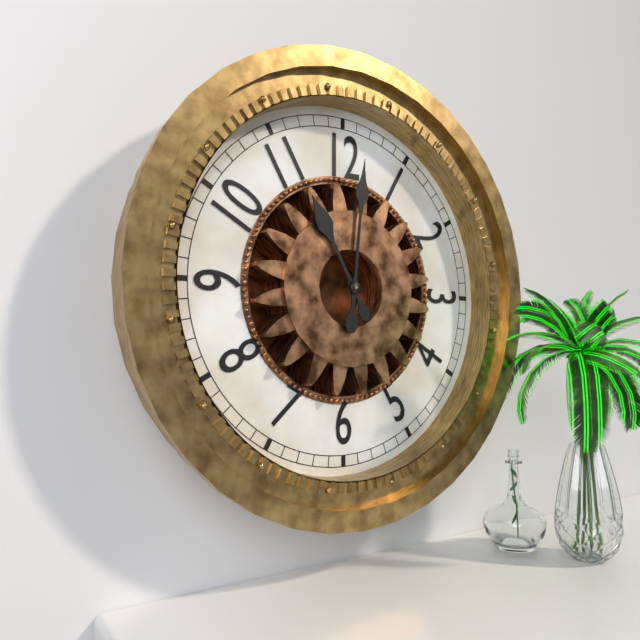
11:01
